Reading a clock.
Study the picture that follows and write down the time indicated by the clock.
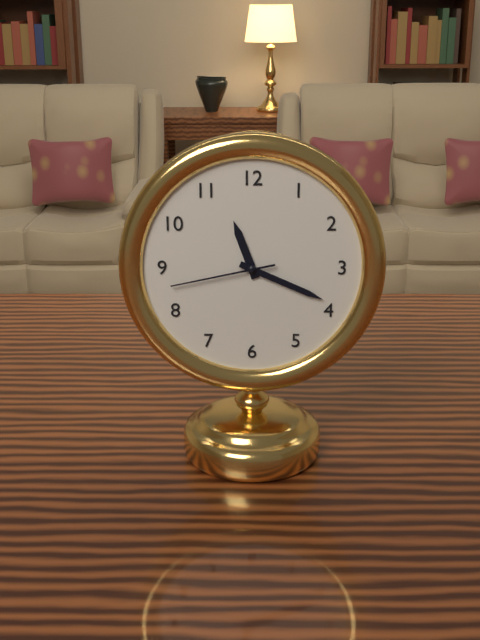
11:19:43
